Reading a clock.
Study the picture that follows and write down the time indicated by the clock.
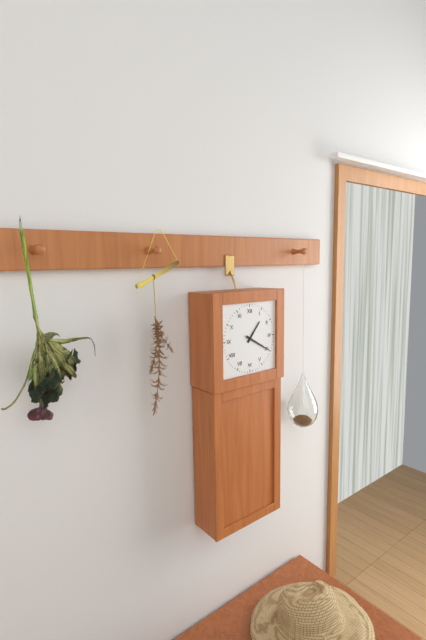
1:20
